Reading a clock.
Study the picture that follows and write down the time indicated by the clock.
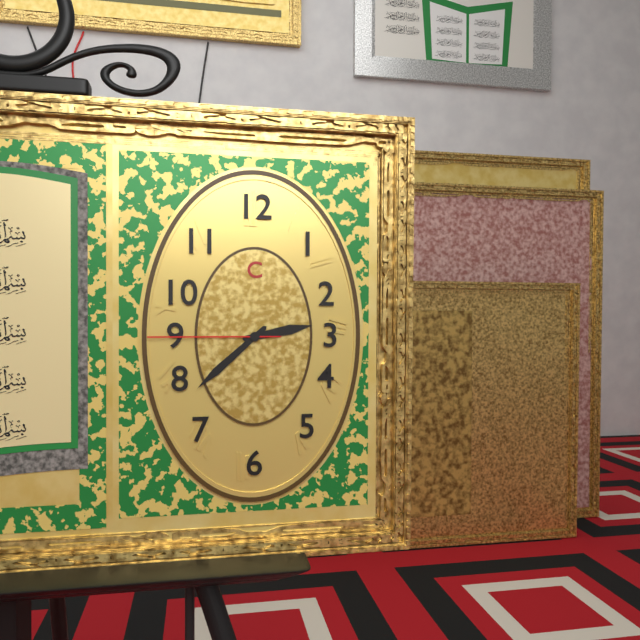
2:38:45
